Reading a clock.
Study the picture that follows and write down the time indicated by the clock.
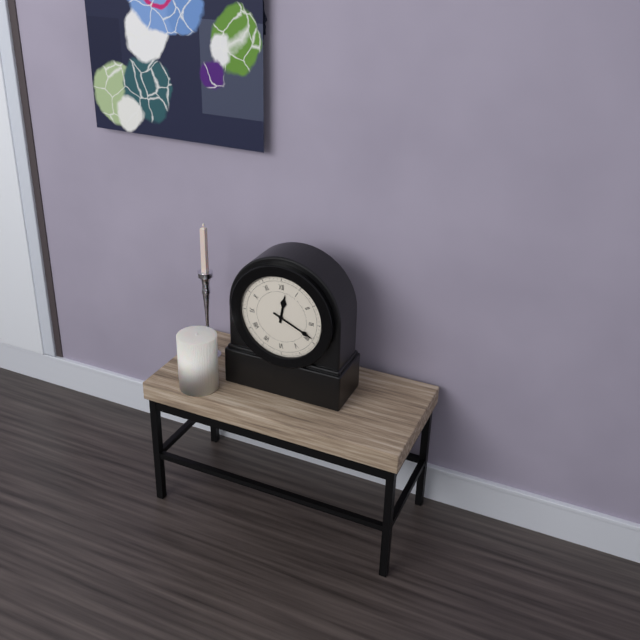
12:19
